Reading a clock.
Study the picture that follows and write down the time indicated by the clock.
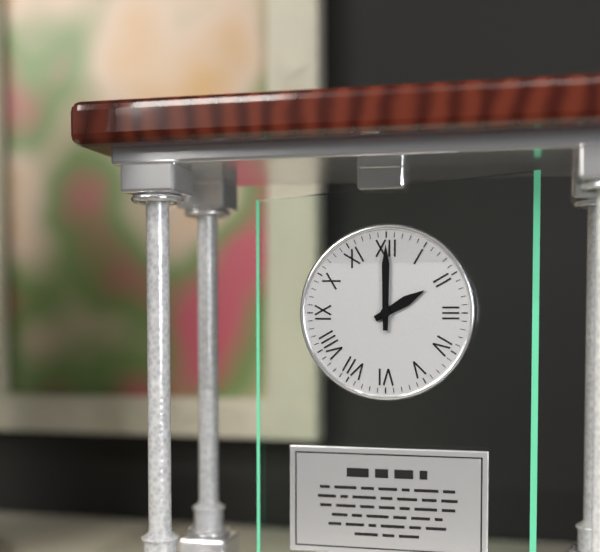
2:00
